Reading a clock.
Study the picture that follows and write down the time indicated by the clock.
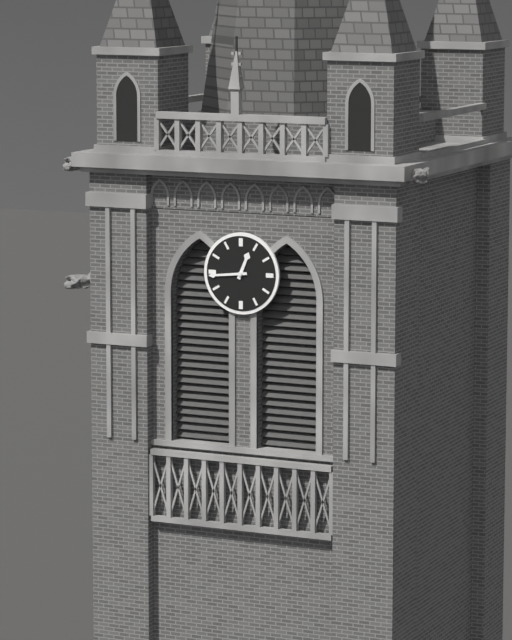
12:44
